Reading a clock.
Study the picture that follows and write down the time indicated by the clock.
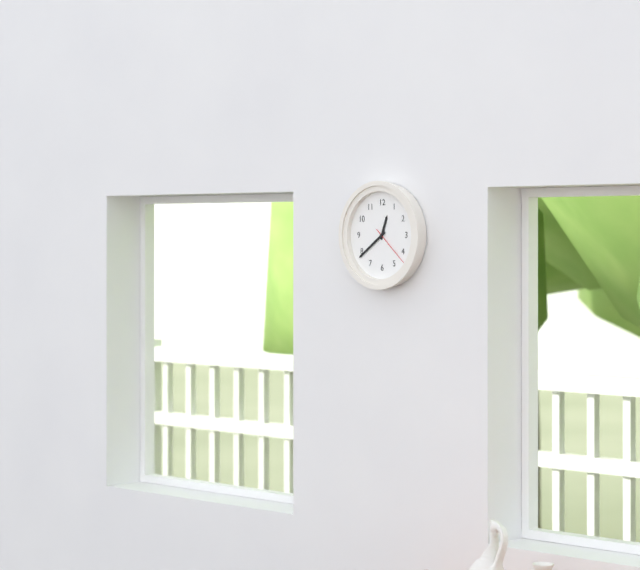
12:39
